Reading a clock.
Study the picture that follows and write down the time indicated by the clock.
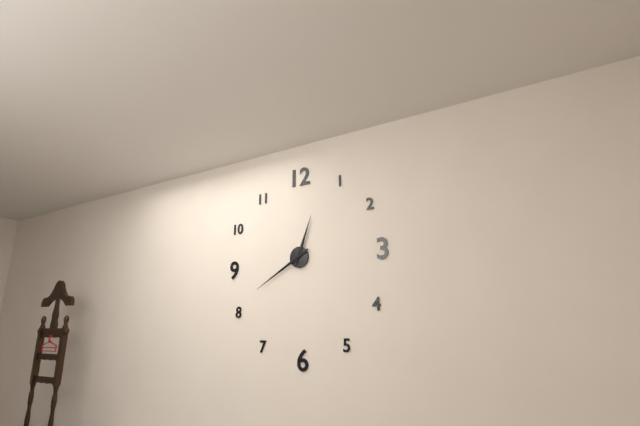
12:40
